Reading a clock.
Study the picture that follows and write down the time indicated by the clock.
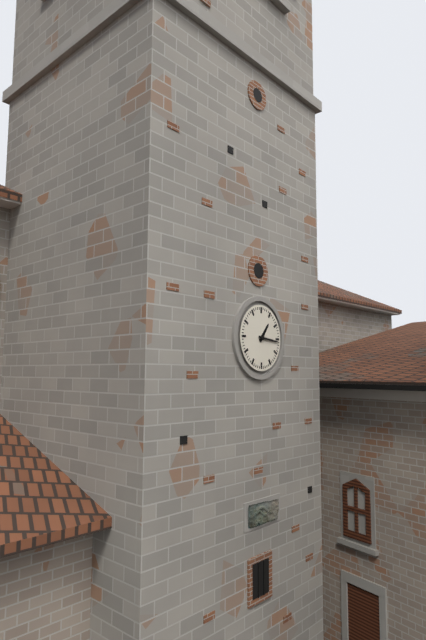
1:16
